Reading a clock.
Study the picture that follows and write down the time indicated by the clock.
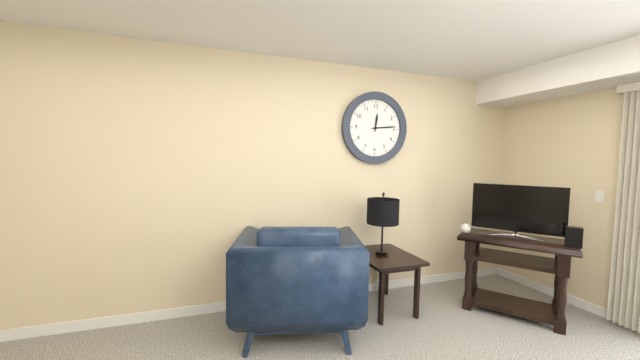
12:14
